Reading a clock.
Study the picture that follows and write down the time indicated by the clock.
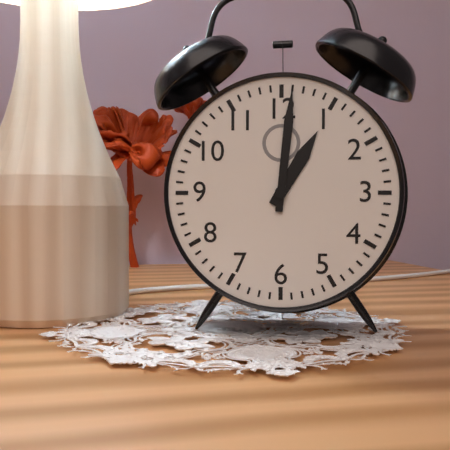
1:01
